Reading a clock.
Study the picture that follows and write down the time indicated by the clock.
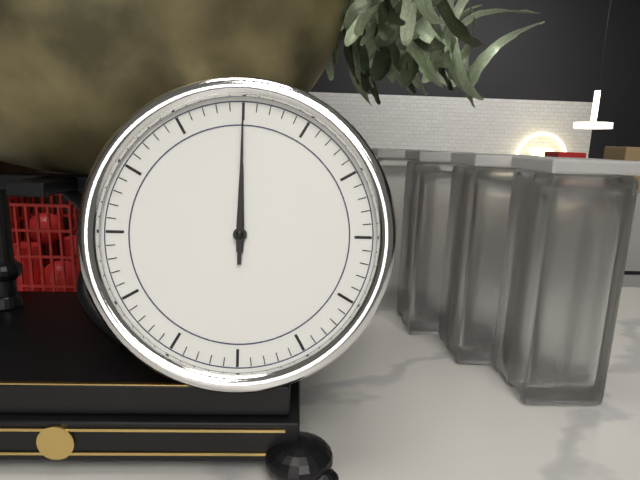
12:00
